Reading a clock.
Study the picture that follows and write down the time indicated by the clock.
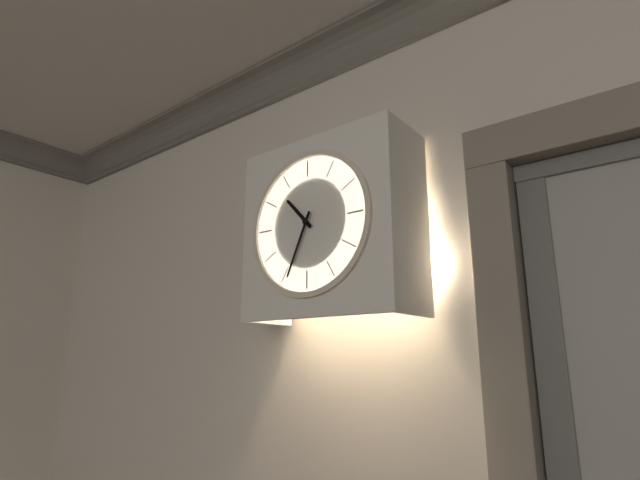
10:34
